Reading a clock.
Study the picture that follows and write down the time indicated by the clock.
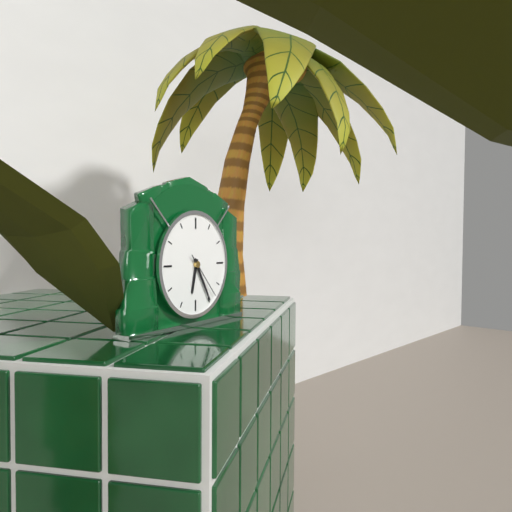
6:25
